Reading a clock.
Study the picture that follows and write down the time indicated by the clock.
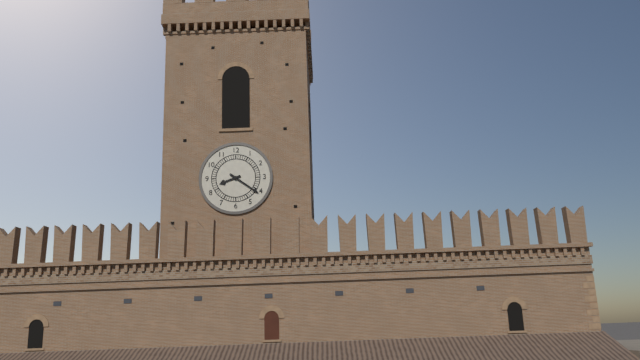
8:21
